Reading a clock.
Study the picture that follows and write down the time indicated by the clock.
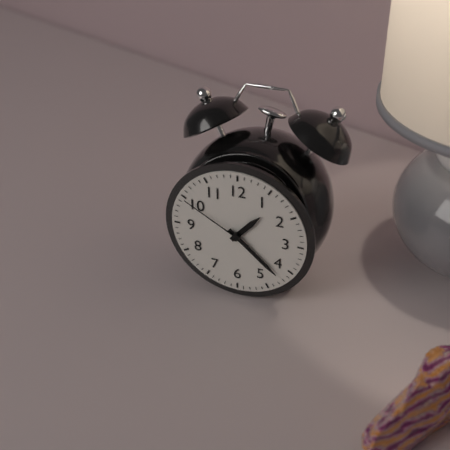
1:22:50
